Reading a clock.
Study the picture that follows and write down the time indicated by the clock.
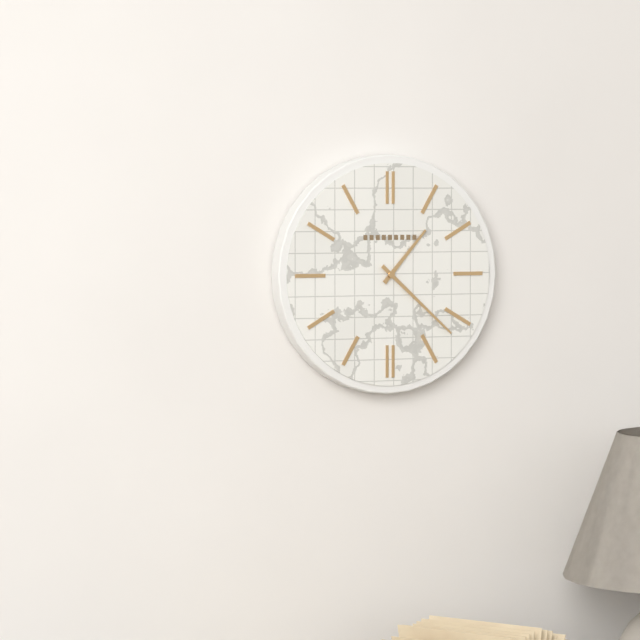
1:22
